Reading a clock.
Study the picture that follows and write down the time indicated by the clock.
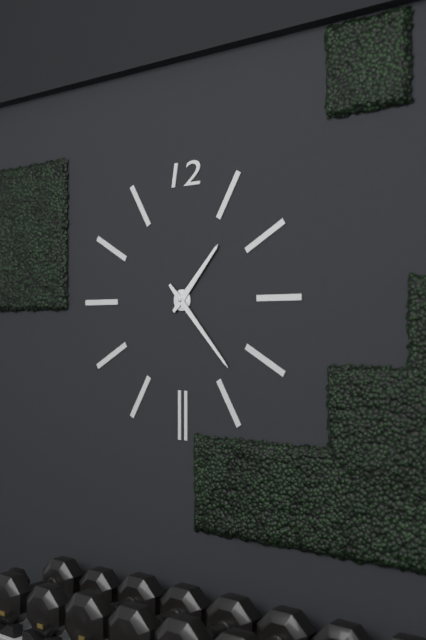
1:23
